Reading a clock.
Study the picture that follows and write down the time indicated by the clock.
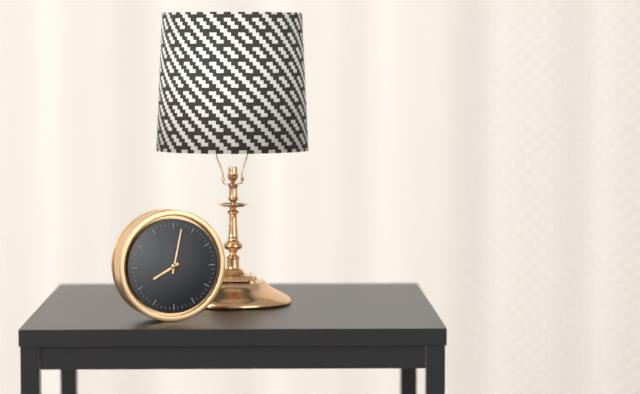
8:02
